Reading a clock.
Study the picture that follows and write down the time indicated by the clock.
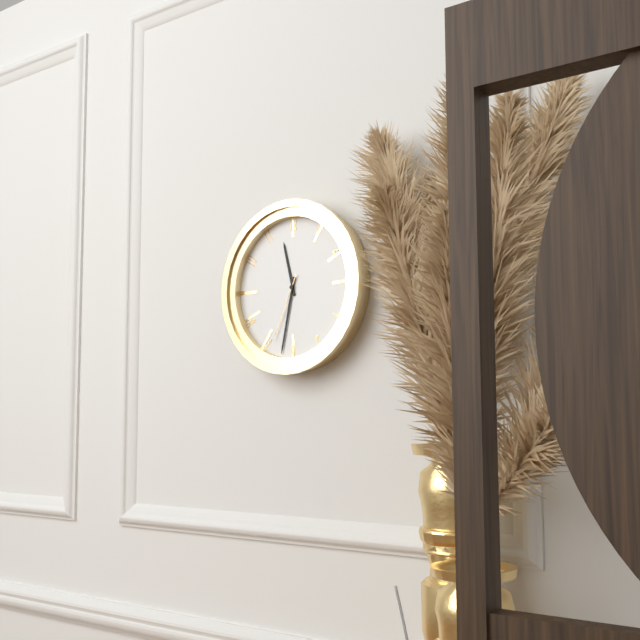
11:32:34
